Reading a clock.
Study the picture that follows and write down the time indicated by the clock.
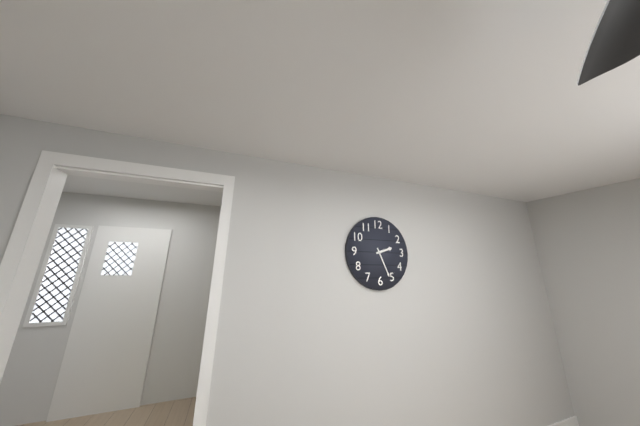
2:26
